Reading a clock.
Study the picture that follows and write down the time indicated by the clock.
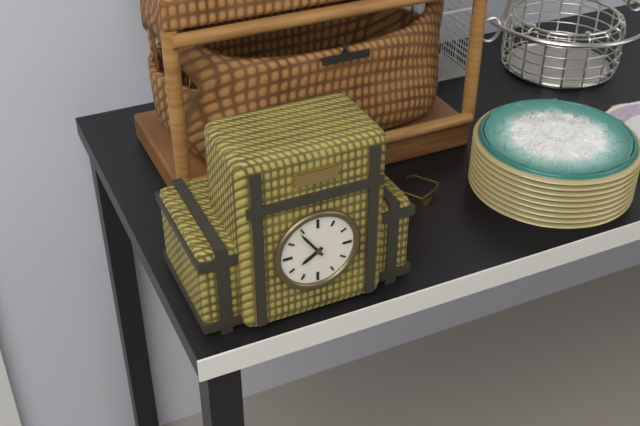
7:54
